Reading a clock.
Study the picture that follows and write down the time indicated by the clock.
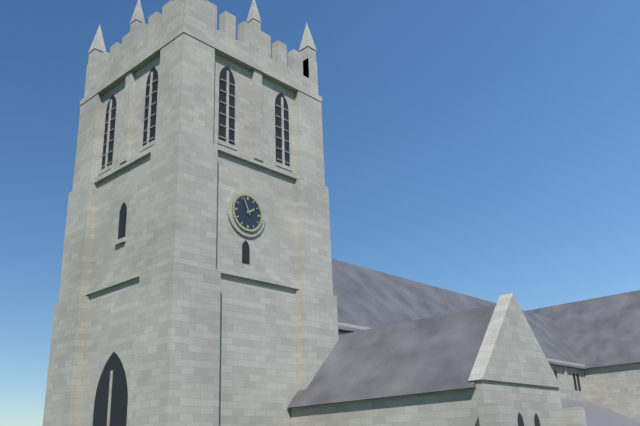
1:56
